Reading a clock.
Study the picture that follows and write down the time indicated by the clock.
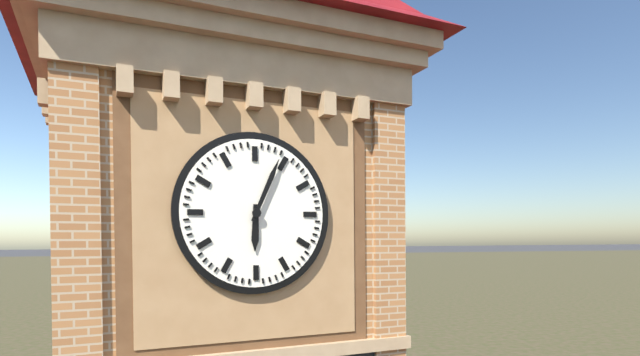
6:04
